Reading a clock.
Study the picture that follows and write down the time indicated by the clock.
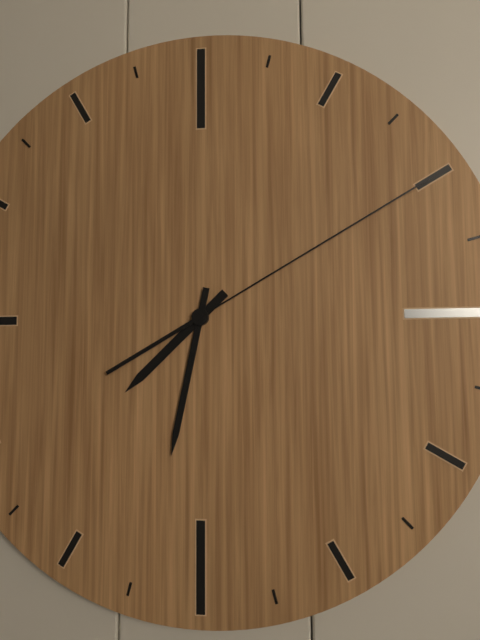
7:32:10
